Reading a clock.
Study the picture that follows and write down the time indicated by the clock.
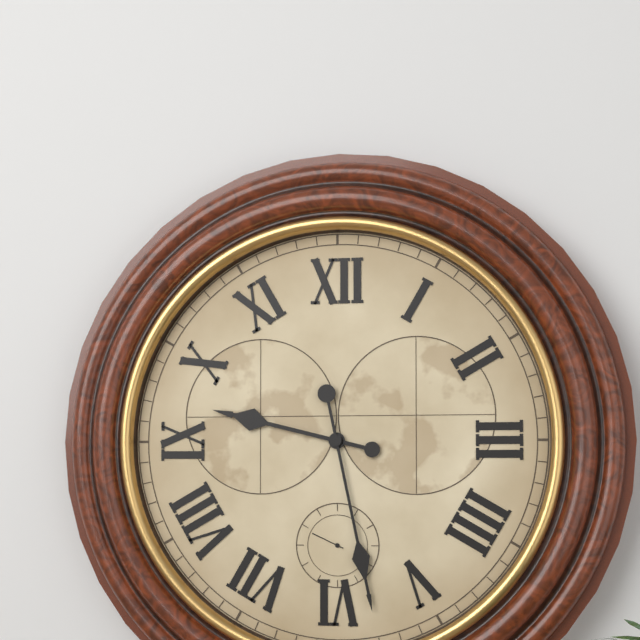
9:28
